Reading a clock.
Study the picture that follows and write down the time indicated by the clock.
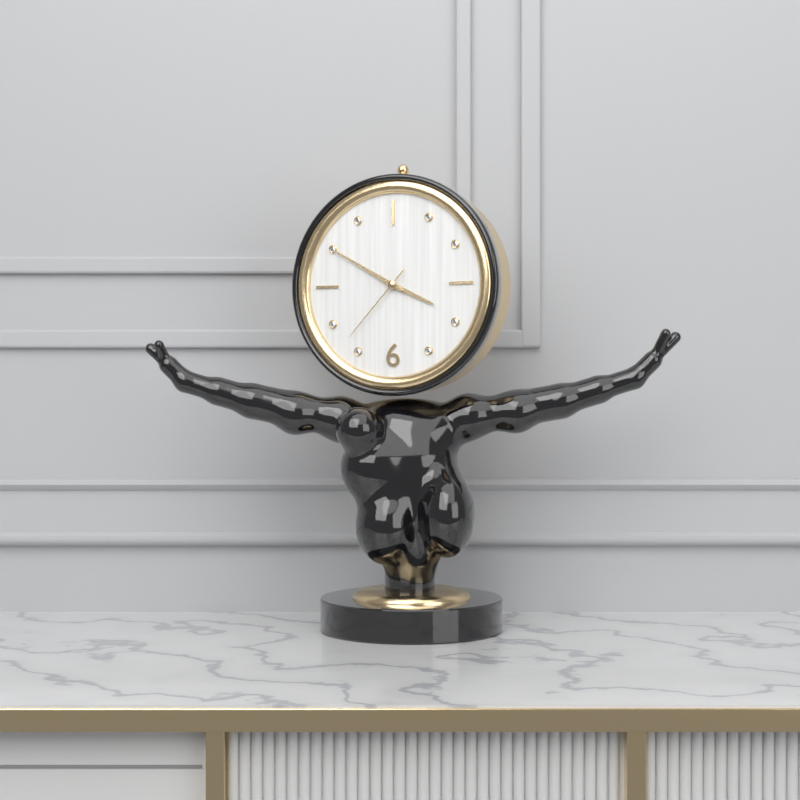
3:50:37
